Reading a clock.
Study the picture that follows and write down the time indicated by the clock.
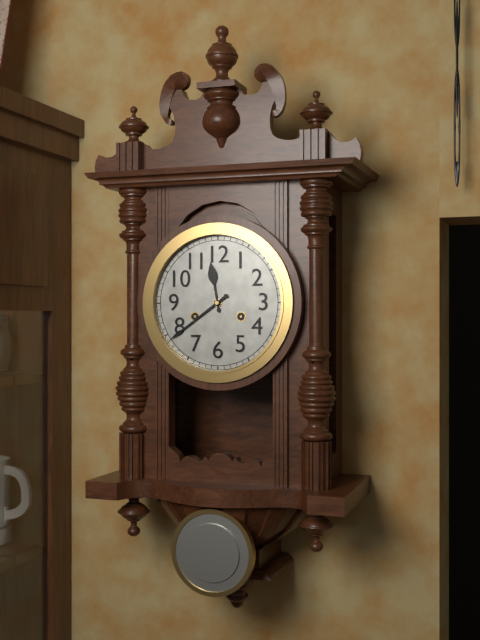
11:39
